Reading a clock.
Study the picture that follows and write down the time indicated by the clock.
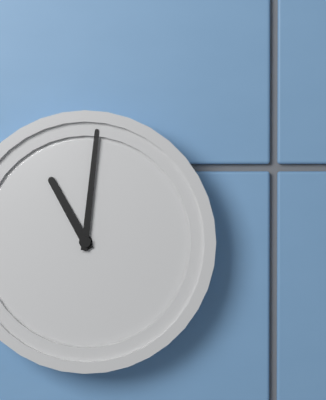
11:01
